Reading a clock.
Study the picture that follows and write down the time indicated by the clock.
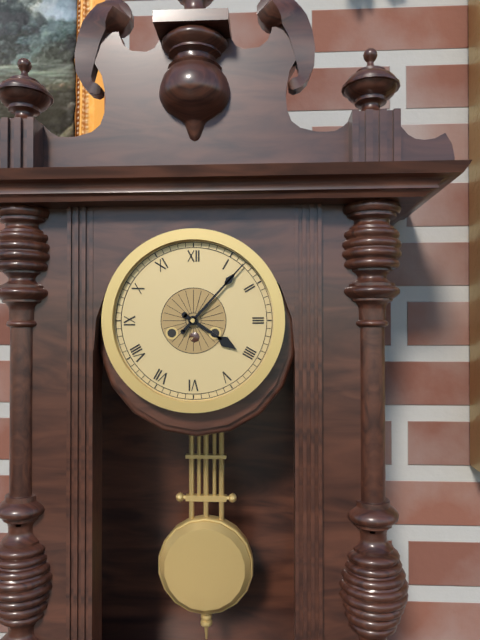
4:07
